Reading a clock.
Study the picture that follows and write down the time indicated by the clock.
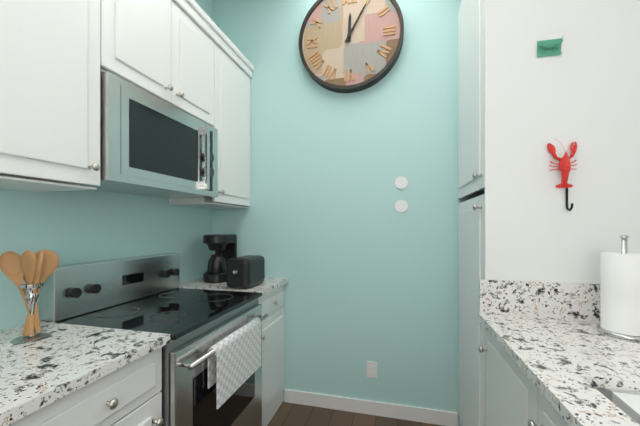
12:05
